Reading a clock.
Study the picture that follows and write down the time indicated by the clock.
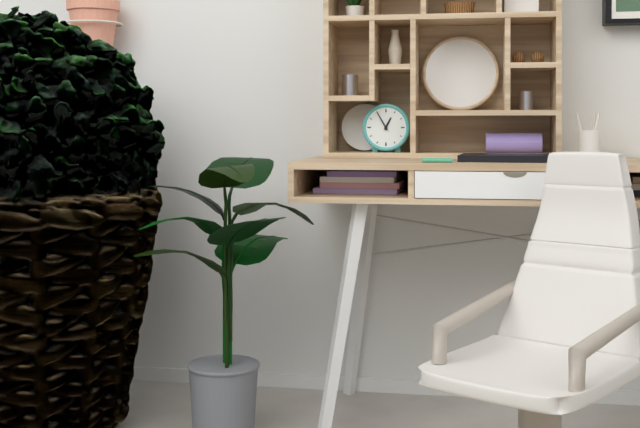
12:55
